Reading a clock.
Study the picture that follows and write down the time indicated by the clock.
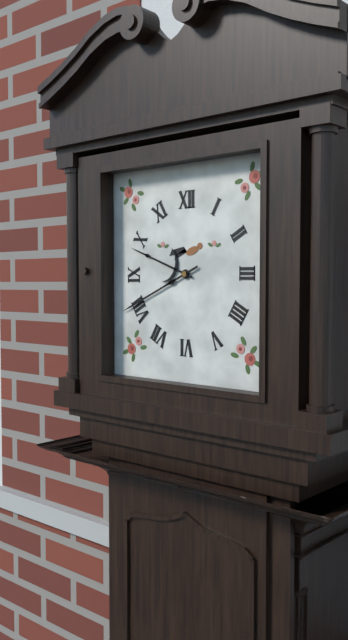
9:41
